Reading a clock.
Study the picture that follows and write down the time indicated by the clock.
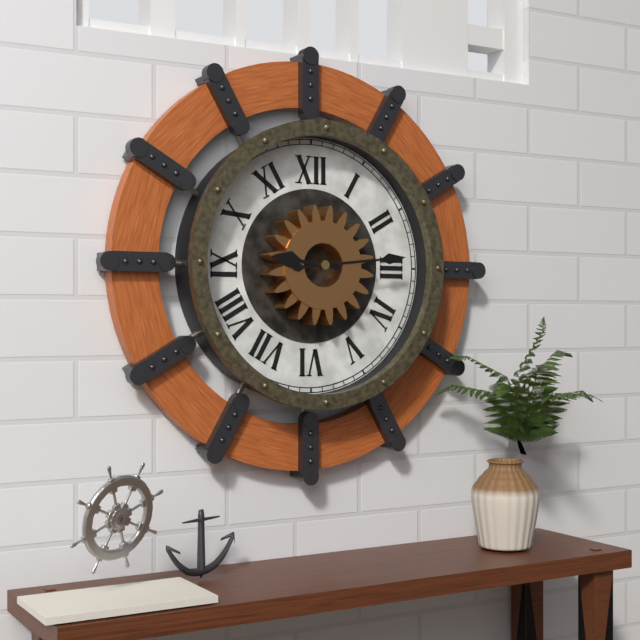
9:14
